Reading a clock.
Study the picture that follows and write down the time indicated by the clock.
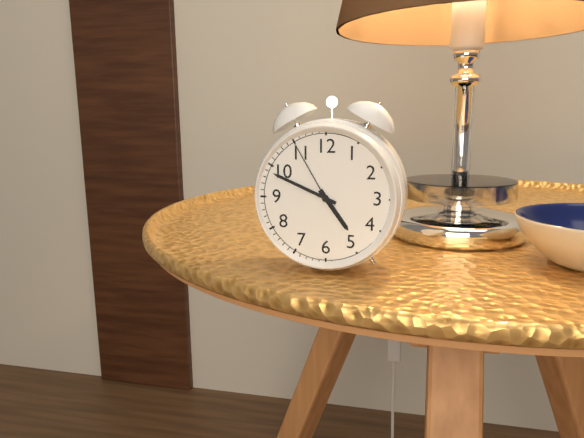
4:49:55
